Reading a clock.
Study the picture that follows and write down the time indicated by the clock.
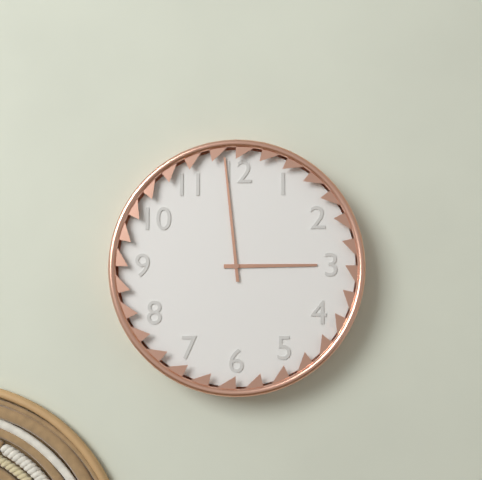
2:59
